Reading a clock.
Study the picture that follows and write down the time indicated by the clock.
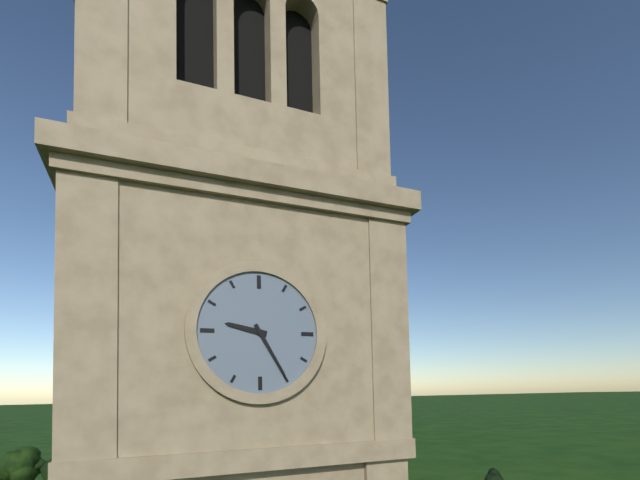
9:25
